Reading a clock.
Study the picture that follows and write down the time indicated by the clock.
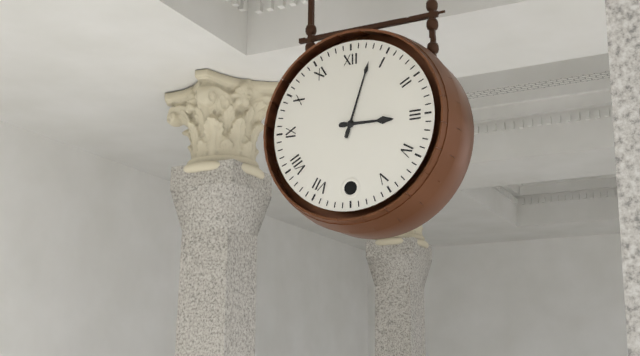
3:03
